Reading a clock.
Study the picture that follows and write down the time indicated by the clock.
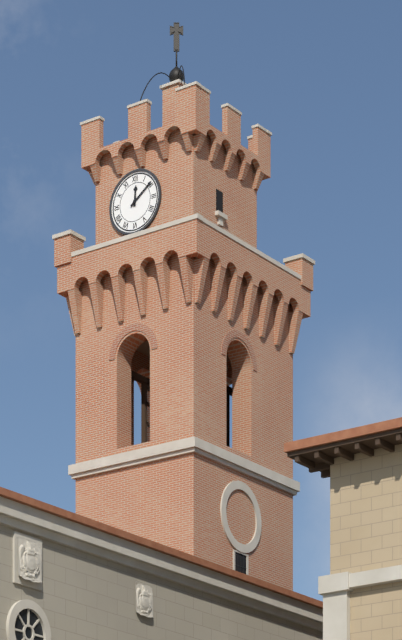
12:09
